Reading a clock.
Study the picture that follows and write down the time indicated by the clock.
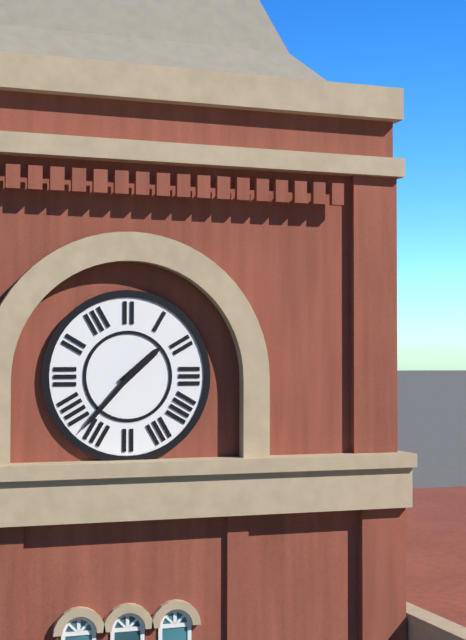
1:37
